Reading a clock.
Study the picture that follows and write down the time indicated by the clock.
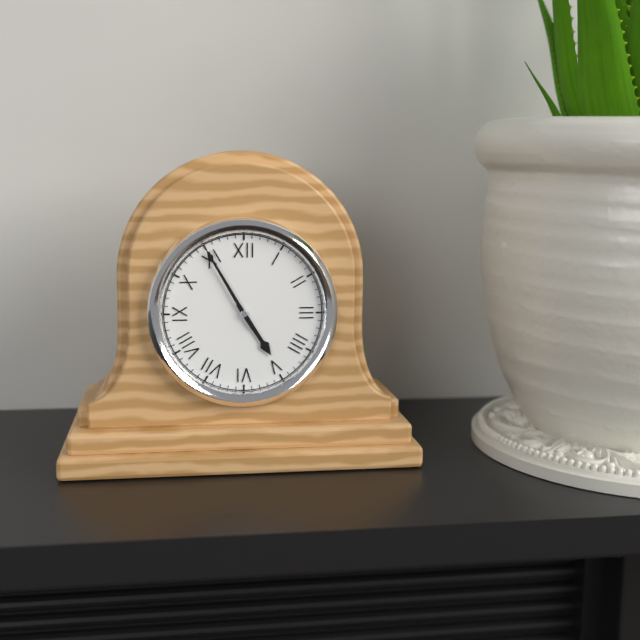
4:55
